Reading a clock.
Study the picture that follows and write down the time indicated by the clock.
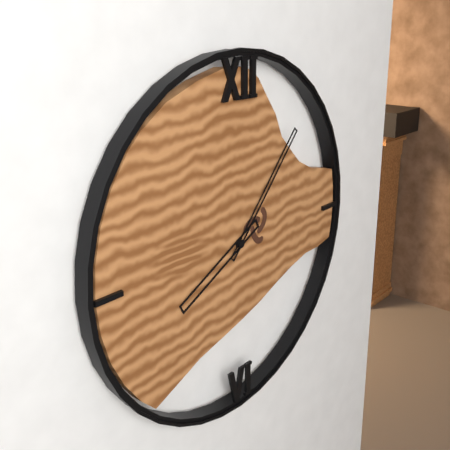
8:07
